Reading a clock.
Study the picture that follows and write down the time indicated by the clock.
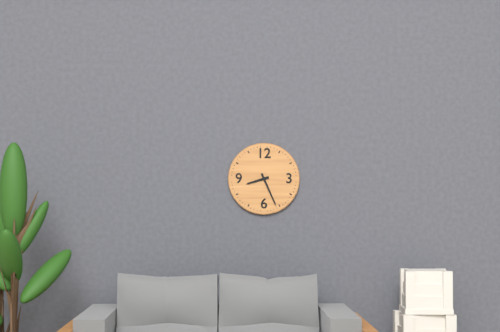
8:26
